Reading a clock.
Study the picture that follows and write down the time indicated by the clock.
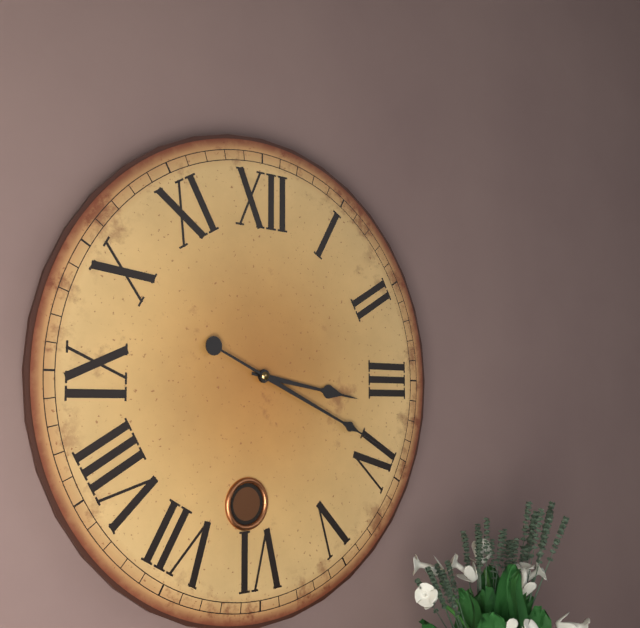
3:19
